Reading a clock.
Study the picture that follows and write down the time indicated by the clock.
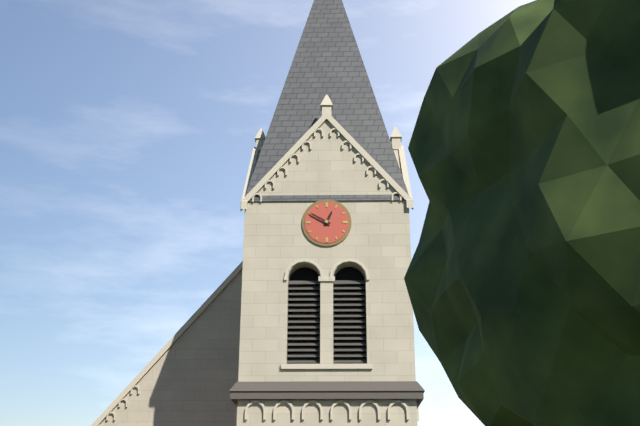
12:50
